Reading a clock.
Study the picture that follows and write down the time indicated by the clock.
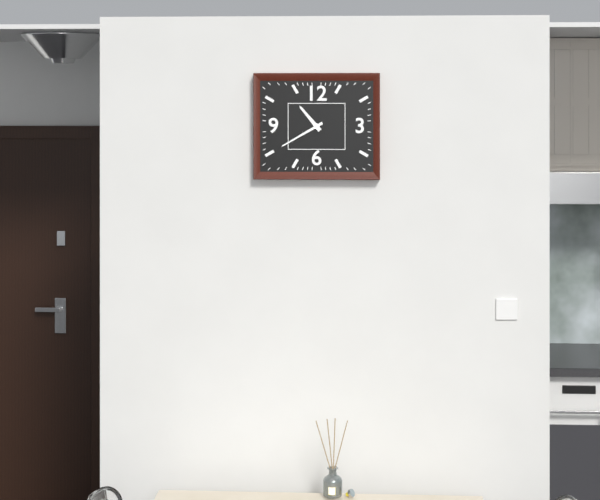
10:40
